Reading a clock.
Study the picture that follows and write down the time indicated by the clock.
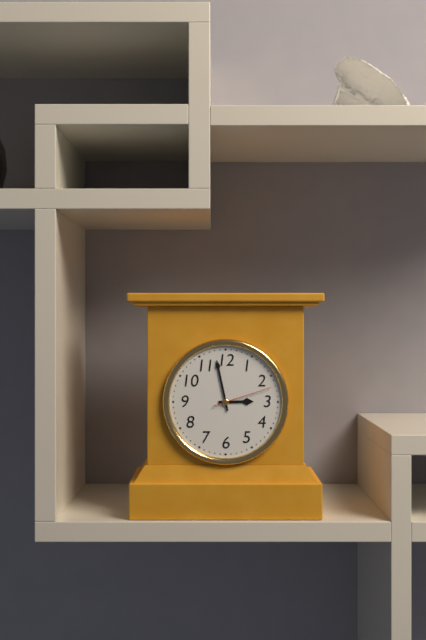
2:58:12
